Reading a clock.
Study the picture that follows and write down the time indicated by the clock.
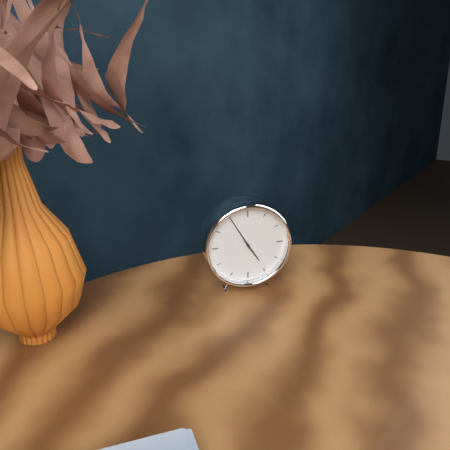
4:55
